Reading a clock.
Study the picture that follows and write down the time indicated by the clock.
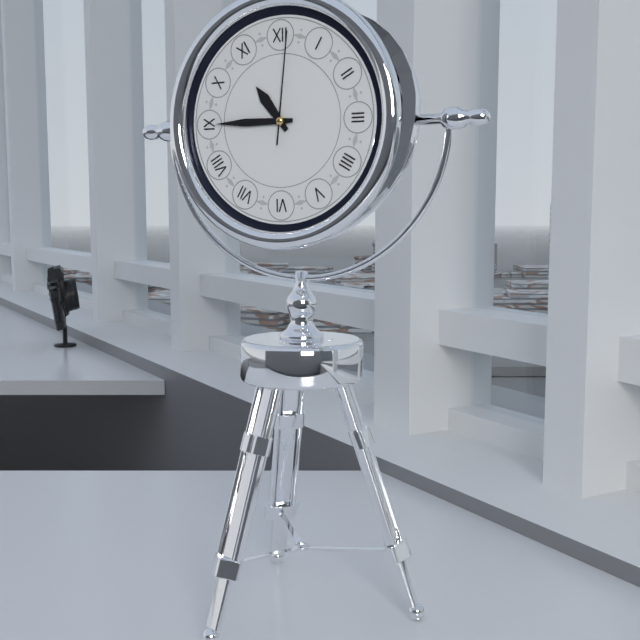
10:45:01
